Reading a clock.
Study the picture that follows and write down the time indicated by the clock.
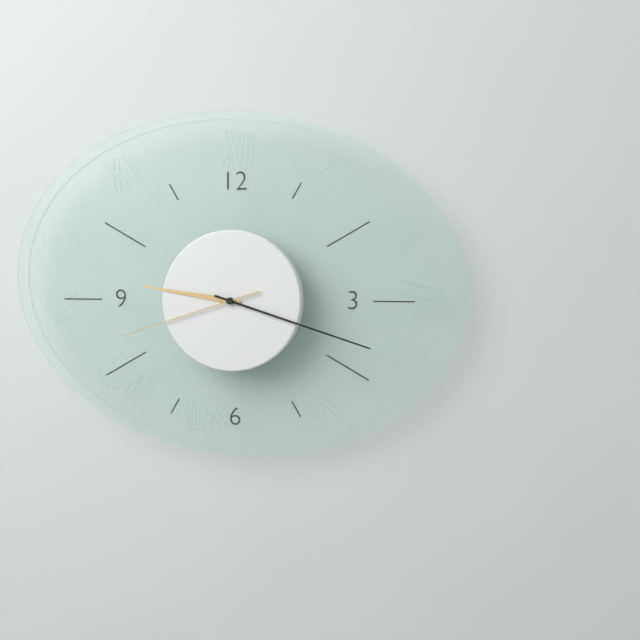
9:18:42
